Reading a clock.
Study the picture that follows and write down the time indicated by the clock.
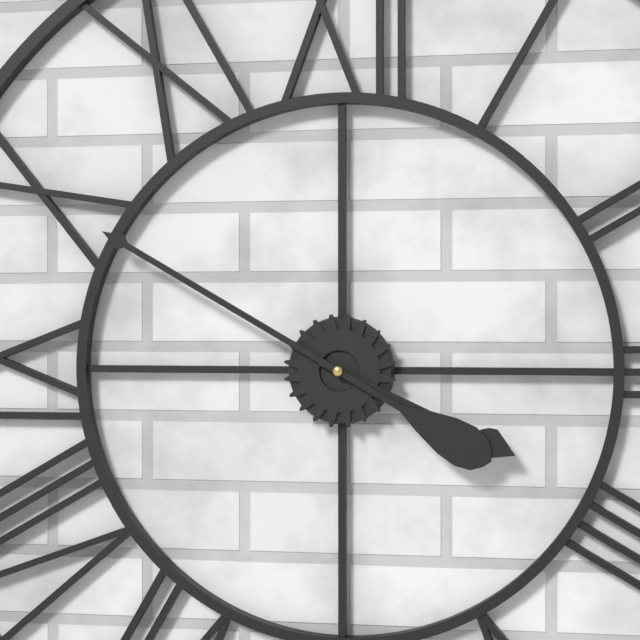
3:50
